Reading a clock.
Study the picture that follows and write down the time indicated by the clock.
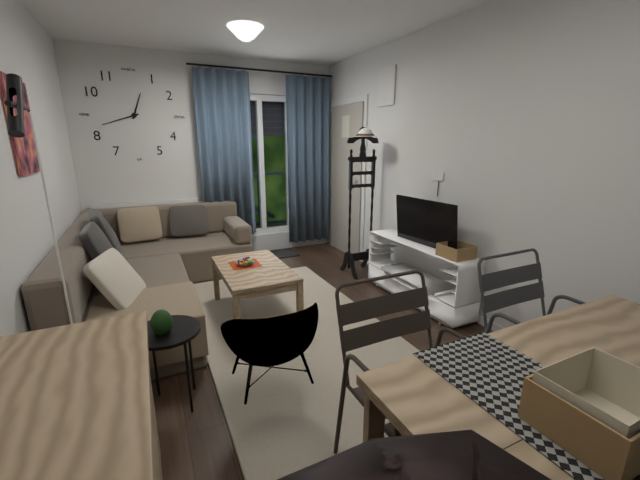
12:42
